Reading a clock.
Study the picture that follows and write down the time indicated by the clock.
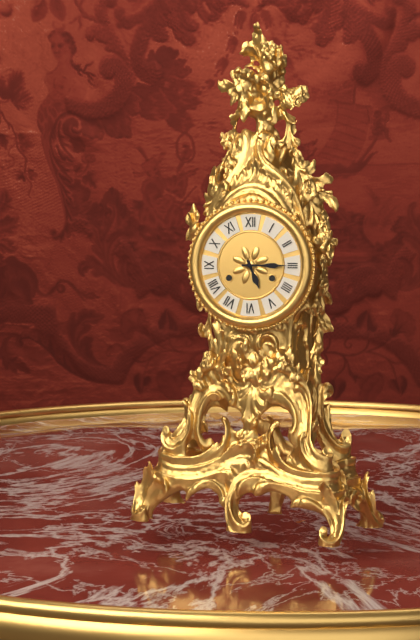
5:15
